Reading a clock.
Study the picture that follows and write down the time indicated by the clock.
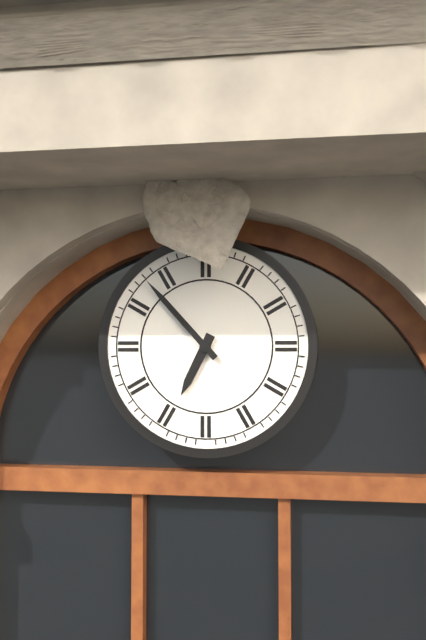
6:53
